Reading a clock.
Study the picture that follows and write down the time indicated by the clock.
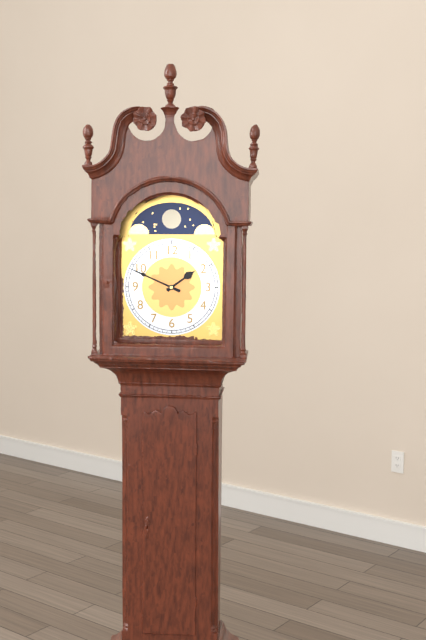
1:49
